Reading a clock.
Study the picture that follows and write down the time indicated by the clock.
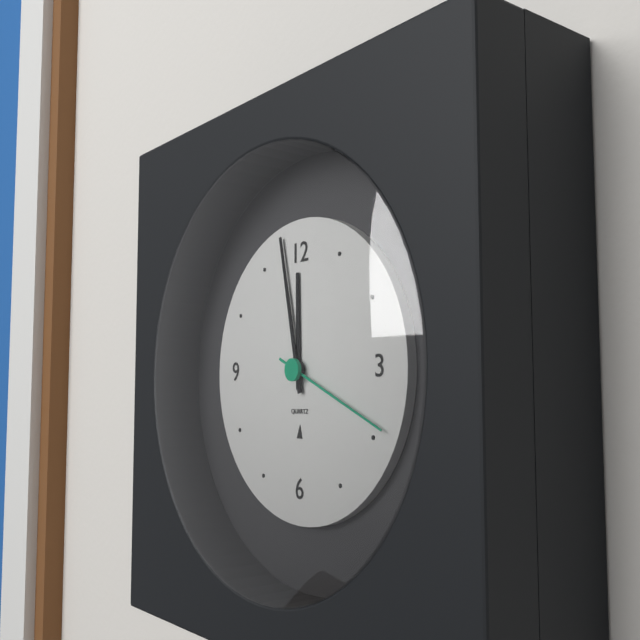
11:58:19
